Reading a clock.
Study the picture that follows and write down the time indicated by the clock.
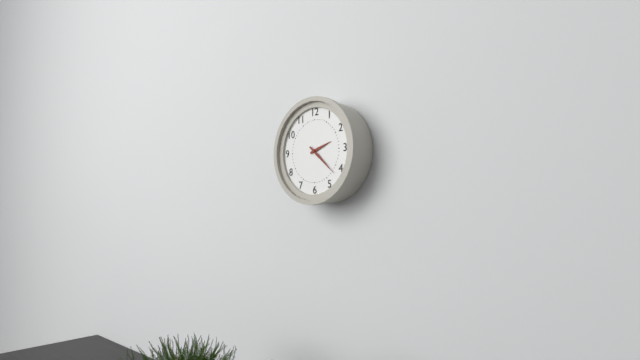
2:22
